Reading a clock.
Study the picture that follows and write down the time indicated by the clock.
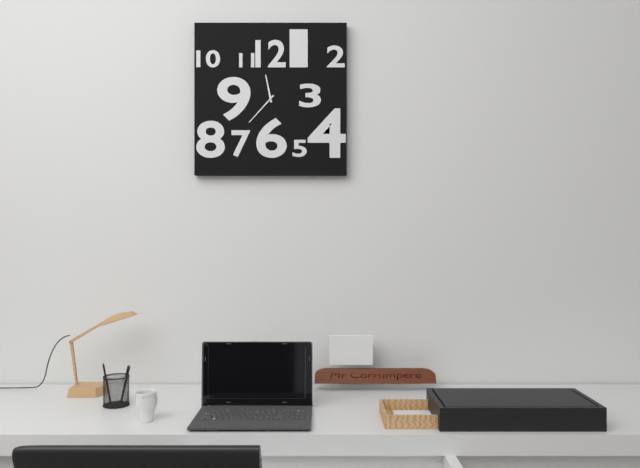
11:37
